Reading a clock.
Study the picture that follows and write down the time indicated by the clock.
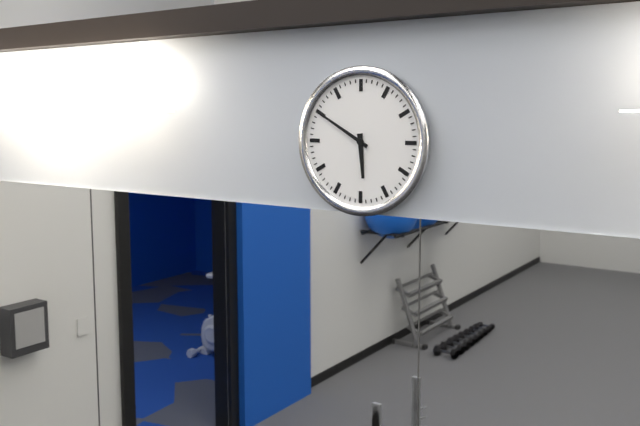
5:50
